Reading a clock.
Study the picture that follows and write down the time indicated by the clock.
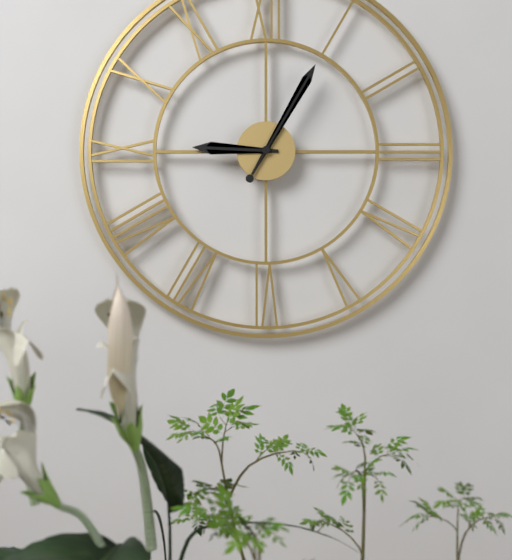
9:05
